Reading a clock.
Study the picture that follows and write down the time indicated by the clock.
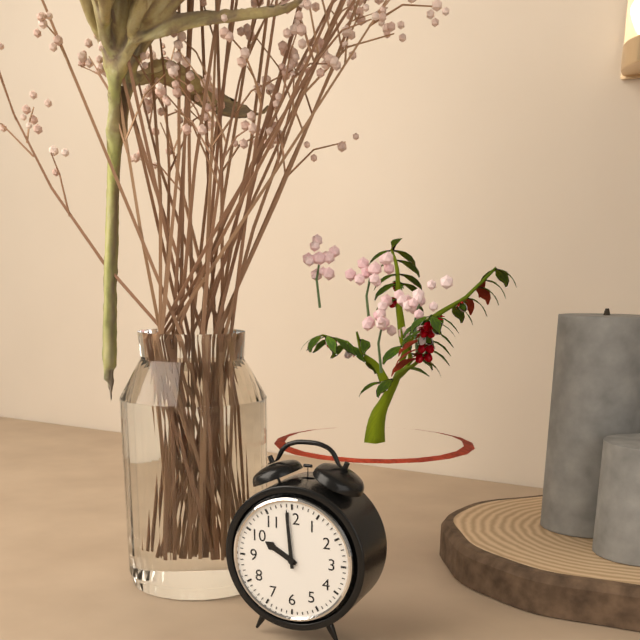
9:59
